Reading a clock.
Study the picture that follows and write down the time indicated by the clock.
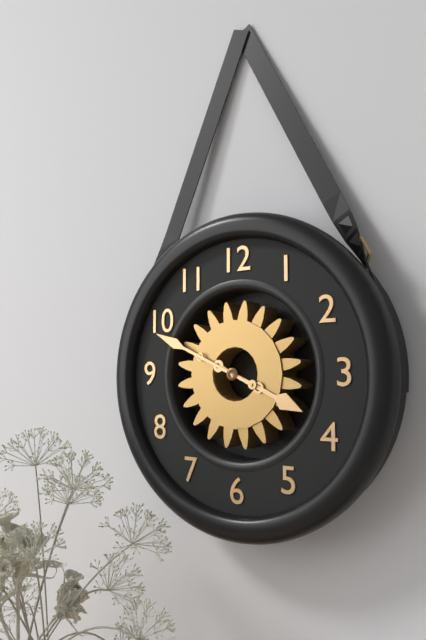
3:49
